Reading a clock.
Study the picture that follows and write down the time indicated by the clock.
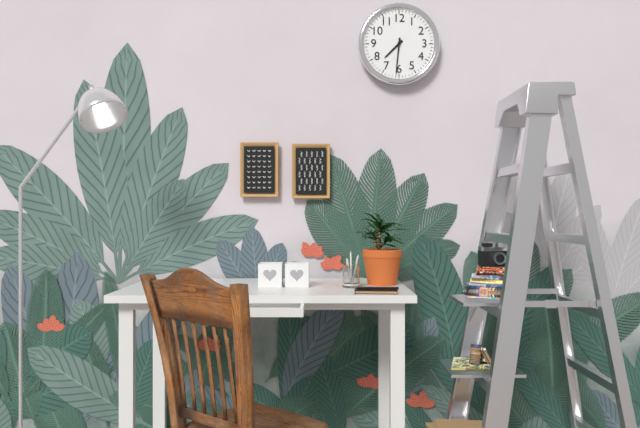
7:31
